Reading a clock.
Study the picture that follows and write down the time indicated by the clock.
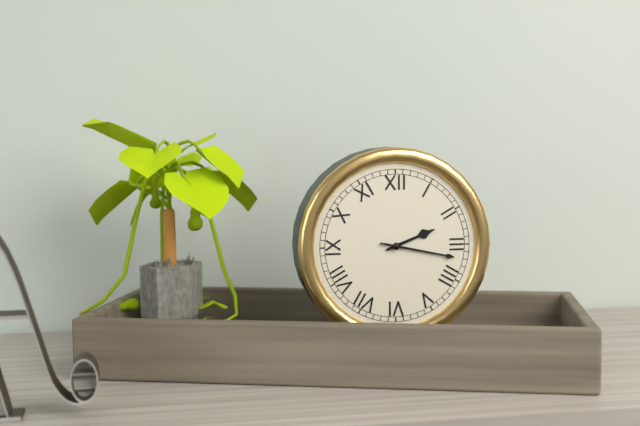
2:17
